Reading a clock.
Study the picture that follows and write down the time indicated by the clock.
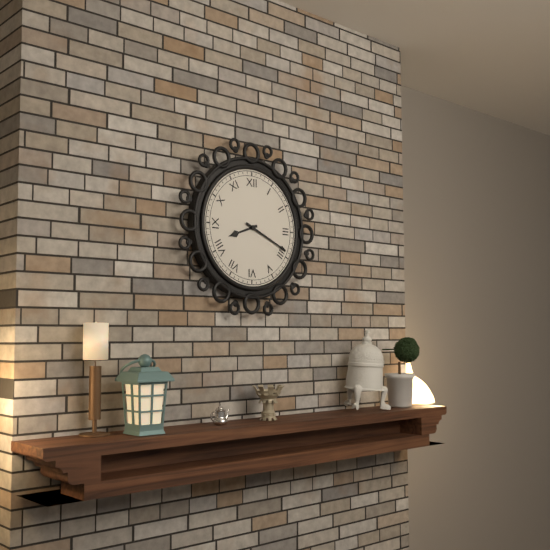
8:19
